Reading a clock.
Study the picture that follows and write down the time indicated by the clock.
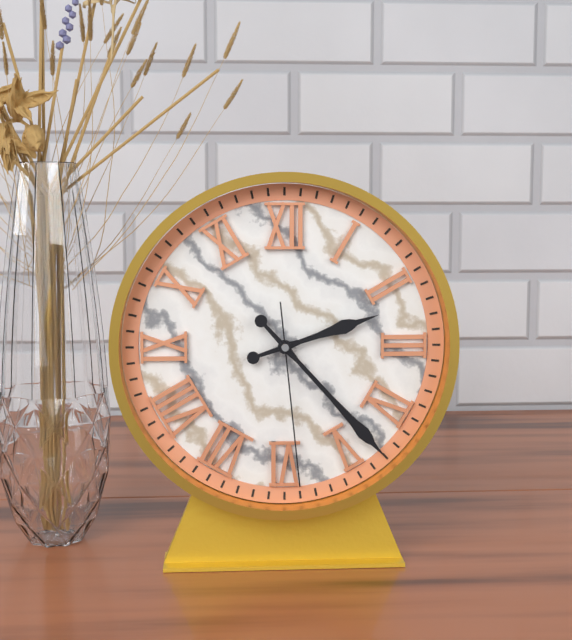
2:23:29
